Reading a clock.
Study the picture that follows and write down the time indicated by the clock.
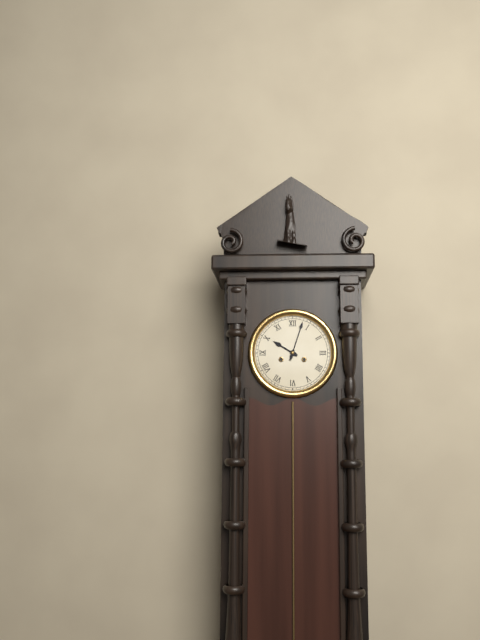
10:03
